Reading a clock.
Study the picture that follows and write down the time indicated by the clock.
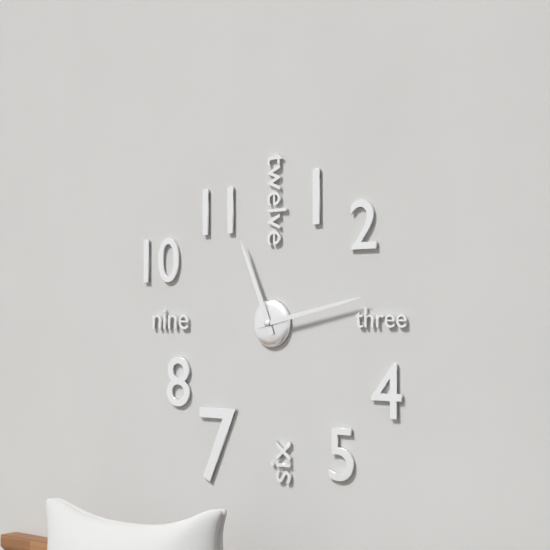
11:13
